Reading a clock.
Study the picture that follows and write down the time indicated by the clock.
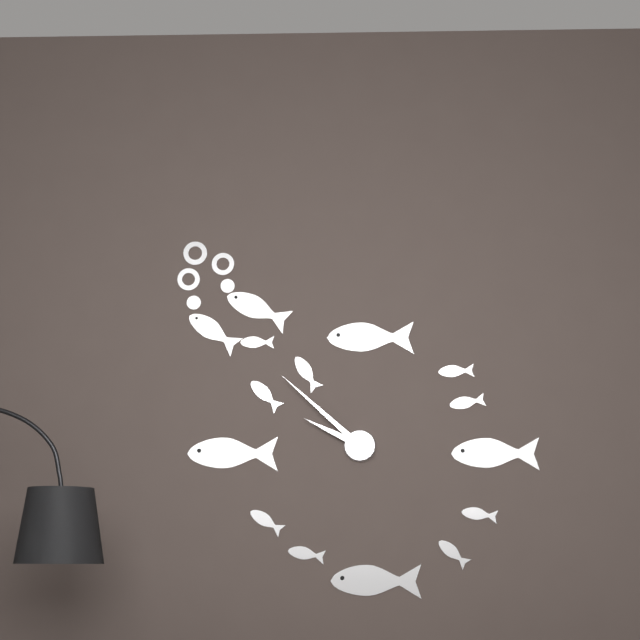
9:52
